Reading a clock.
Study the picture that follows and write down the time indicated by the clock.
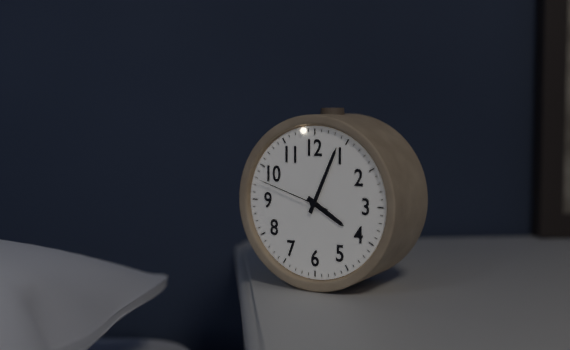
4:04:48
